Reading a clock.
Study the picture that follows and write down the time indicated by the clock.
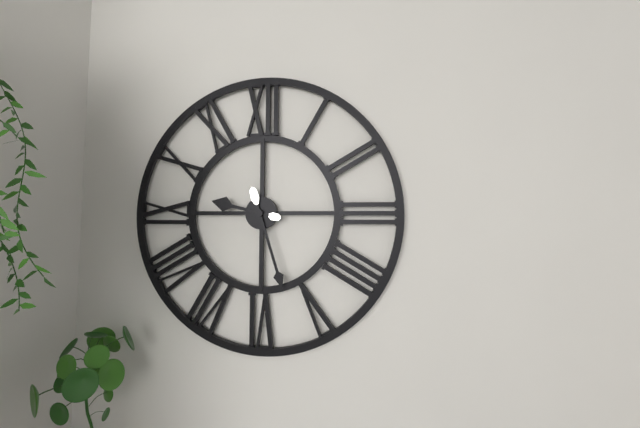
9:27
